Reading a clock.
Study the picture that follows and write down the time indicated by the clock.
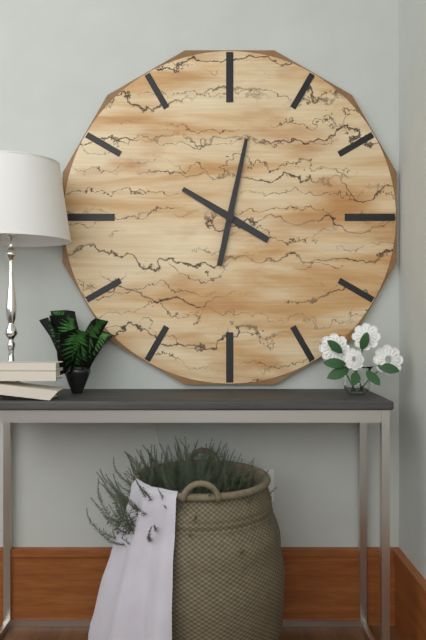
10:02
